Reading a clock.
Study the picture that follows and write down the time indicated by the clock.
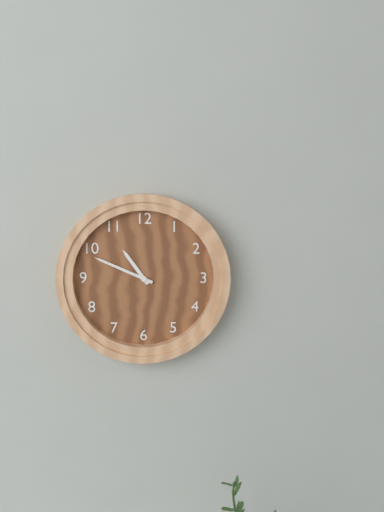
10:49
